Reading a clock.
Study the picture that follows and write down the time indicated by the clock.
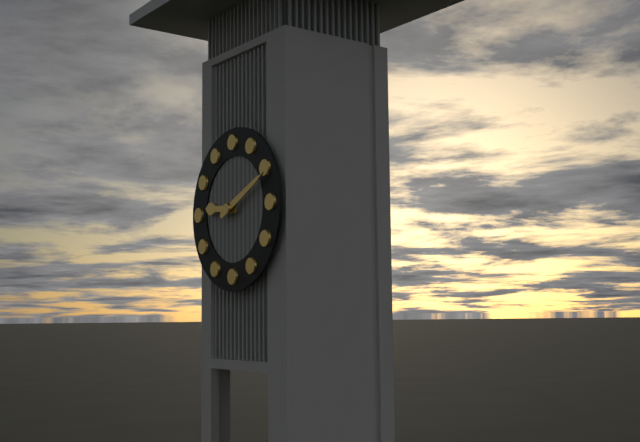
9:11
